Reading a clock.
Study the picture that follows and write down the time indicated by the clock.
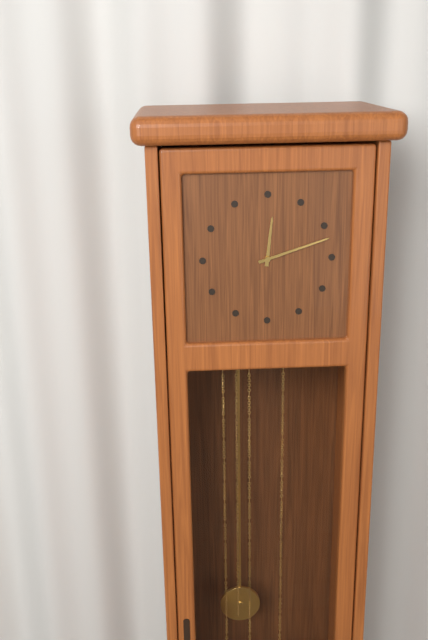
12:12
